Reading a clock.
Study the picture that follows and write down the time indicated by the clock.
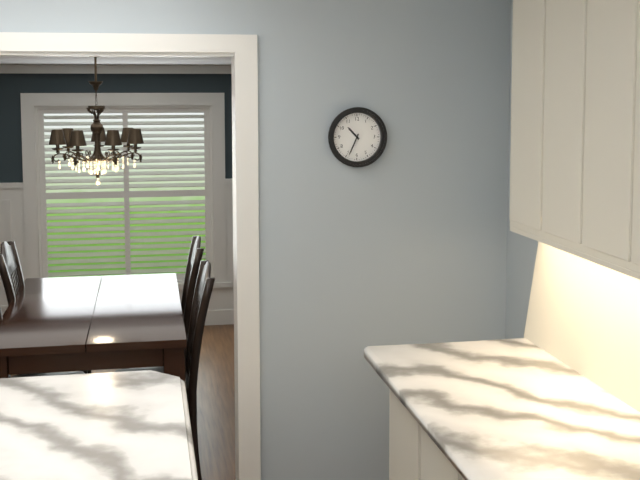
10:34
